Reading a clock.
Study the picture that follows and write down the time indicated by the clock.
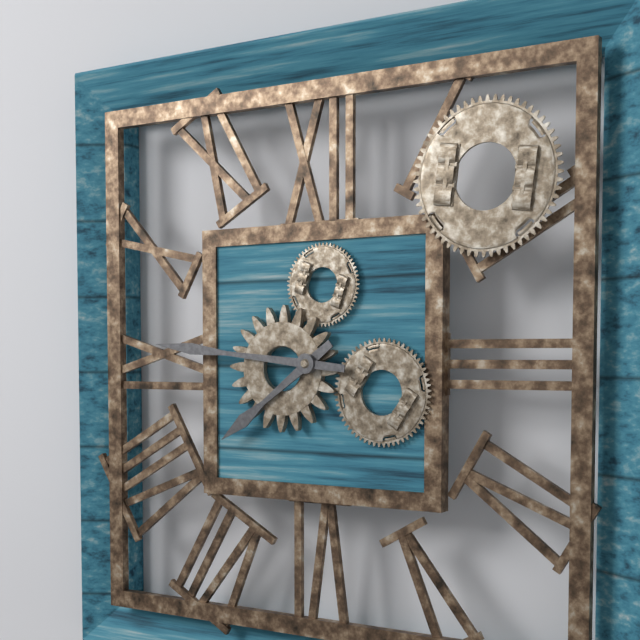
7:46
